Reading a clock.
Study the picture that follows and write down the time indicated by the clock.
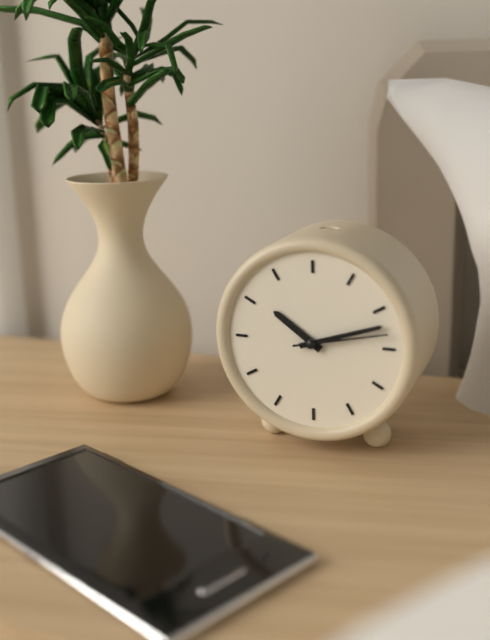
10:12:13
